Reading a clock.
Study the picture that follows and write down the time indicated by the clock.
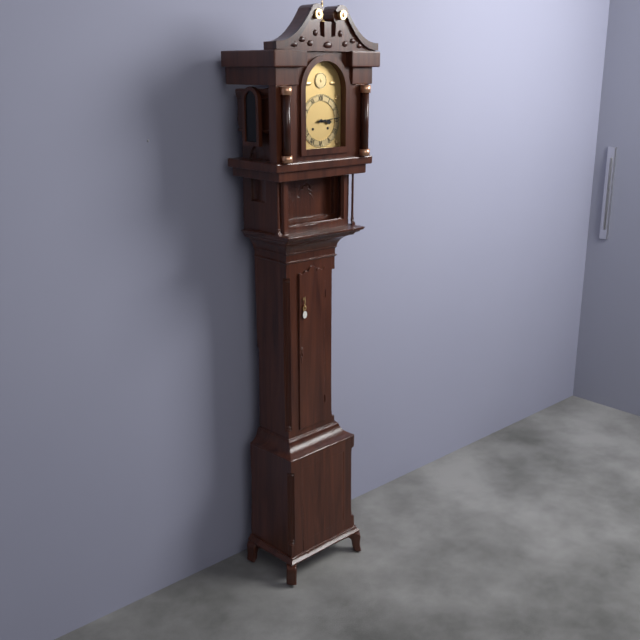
3:14
